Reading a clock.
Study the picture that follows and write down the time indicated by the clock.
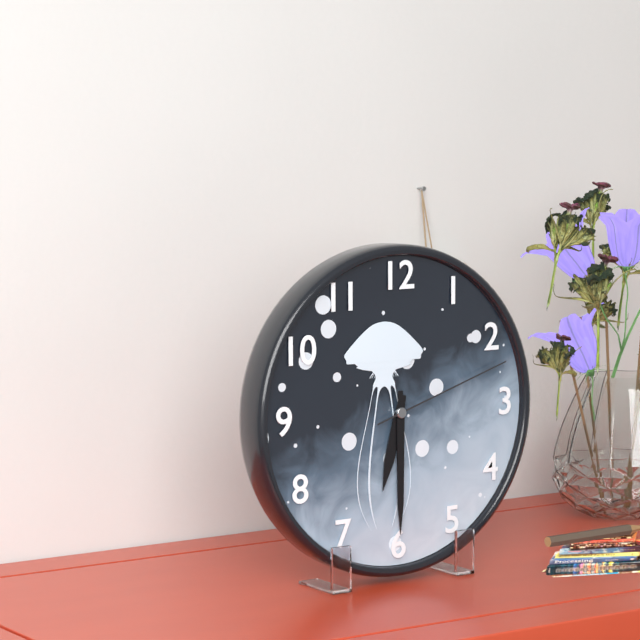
6:30:12
